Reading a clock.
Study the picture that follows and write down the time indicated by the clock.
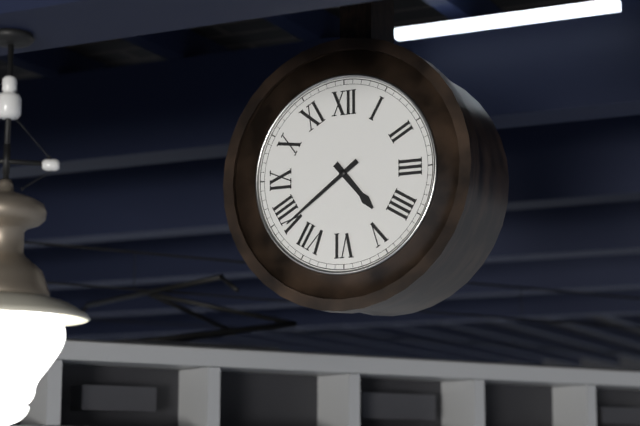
4:39
